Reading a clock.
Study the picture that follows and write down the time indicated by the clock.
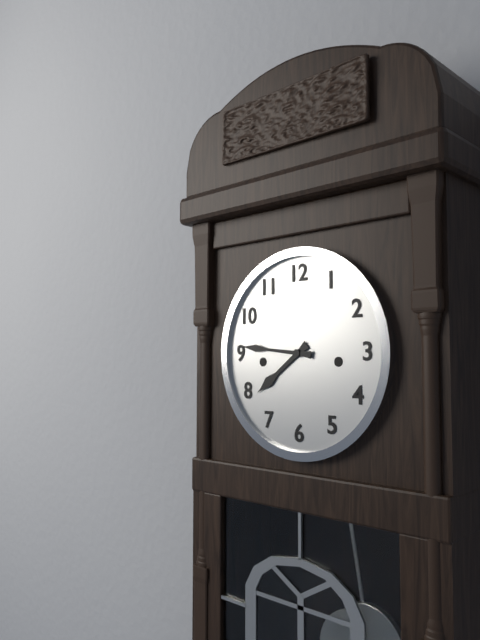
7:46
